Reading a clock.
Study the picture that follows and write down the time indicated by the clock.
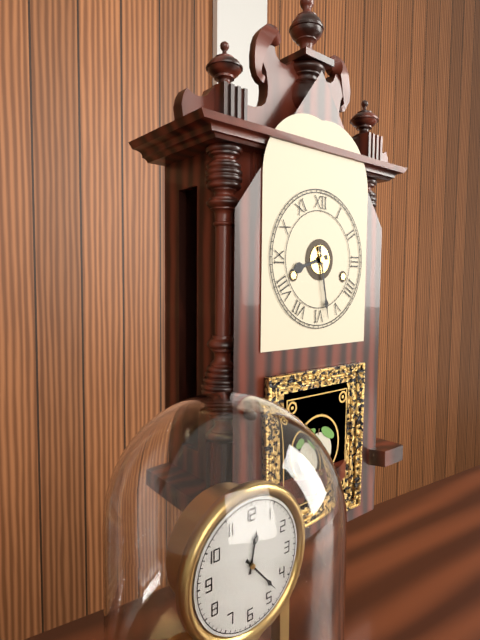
8:28
